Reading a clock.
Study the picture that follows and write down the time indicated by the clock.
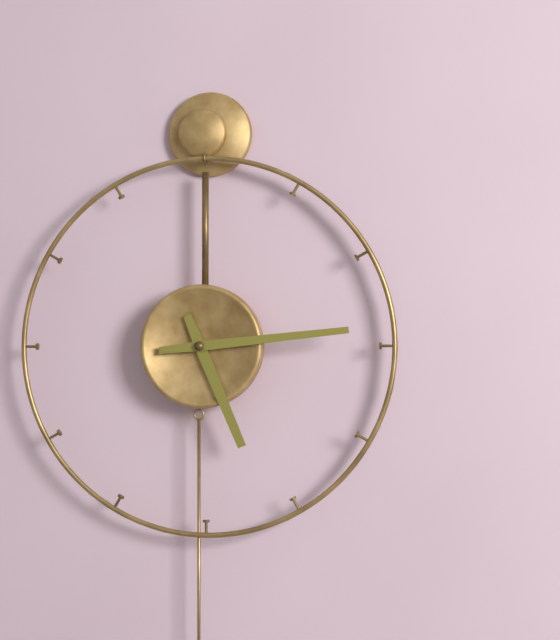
5:14
